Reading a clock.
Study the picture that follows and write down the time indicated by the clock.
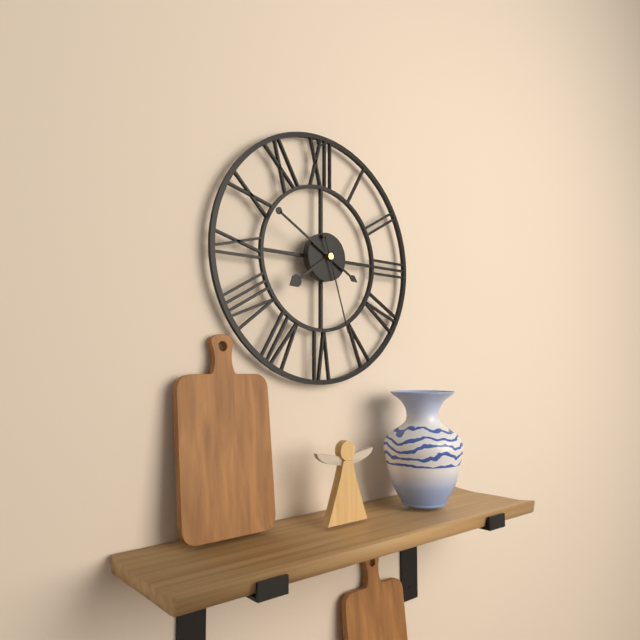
7:50:27
